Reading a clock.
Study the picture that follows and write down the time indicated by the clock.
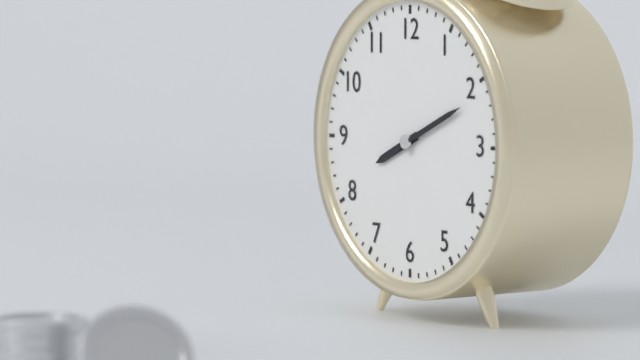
8:11
